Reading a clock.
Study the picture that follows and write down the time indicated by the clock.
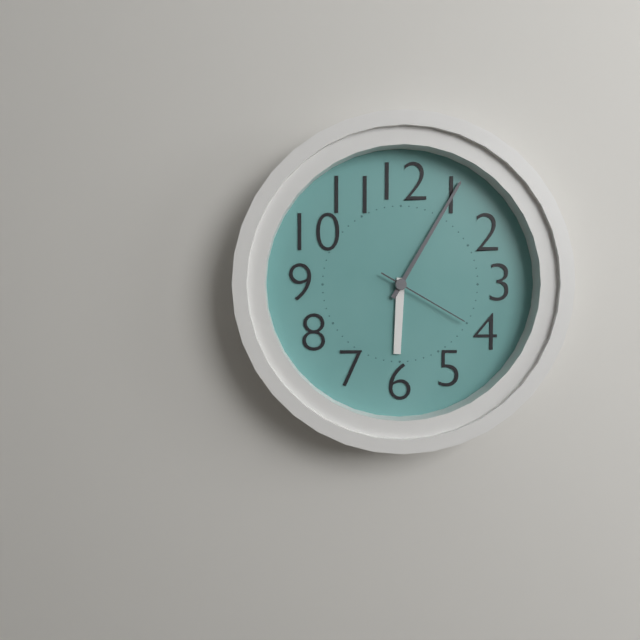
6:05:20
